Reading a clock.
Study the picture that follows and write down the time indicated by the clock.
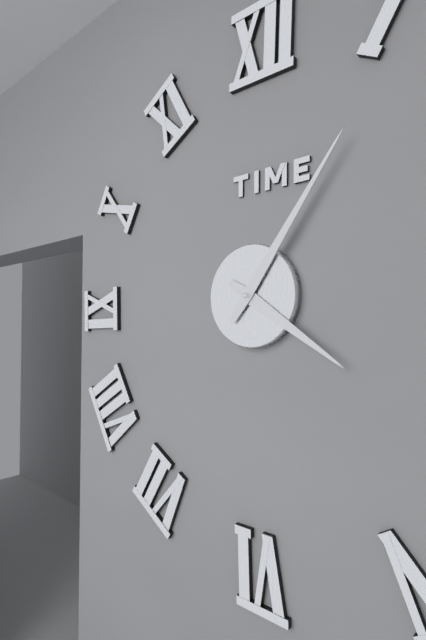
4:06
